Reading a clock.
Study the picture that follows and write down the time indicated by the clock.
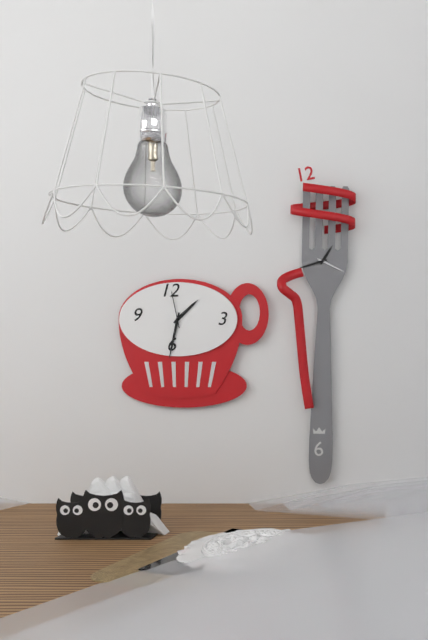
1:32
